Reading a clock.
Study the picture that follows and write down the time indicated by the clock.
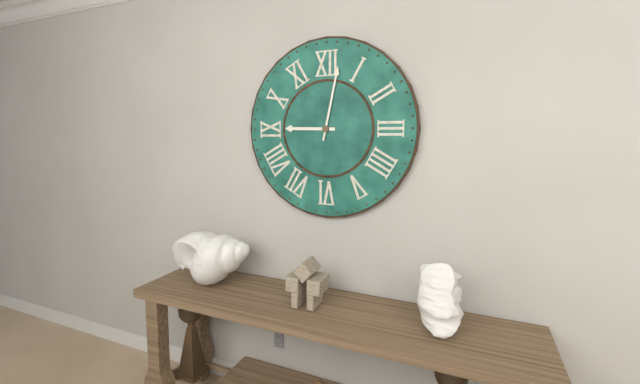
9:02
